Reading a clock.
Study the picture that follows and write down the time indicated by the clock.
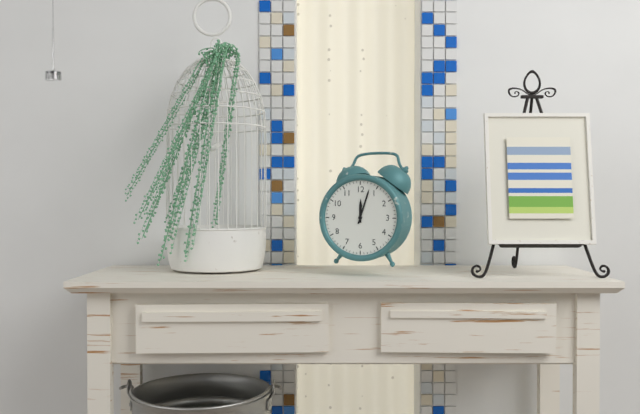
12:03
